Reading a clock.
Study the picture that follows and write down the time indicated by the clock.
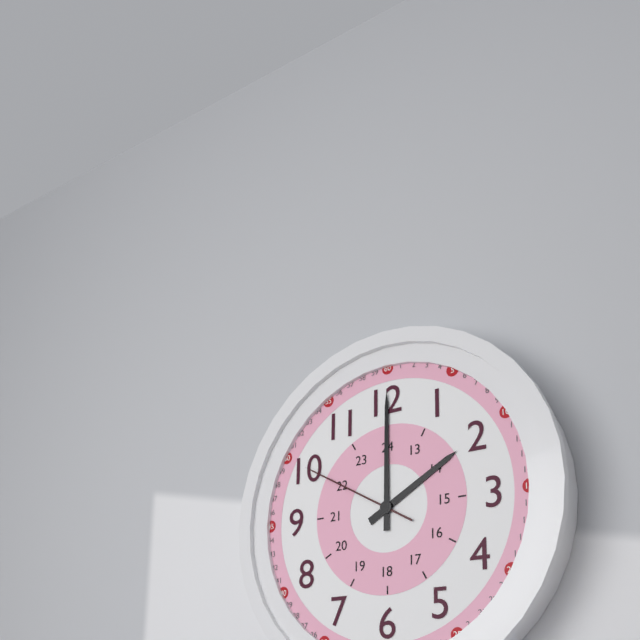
2:00:50
